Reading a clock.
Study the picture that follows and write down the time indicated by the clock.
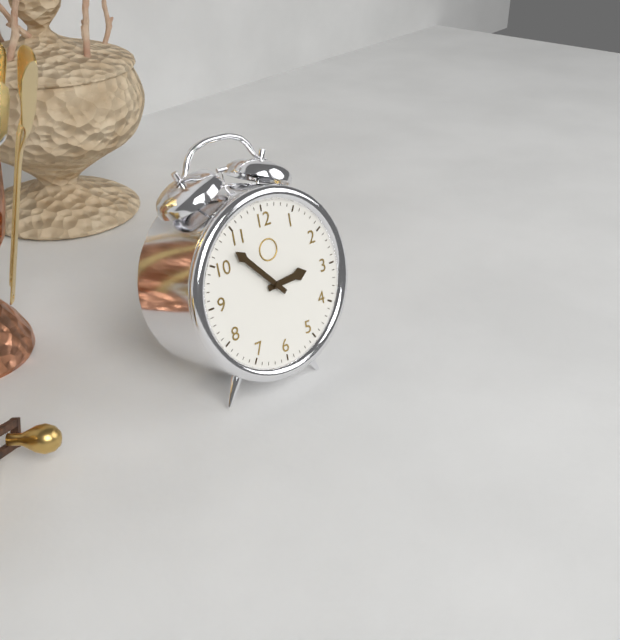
2:53
